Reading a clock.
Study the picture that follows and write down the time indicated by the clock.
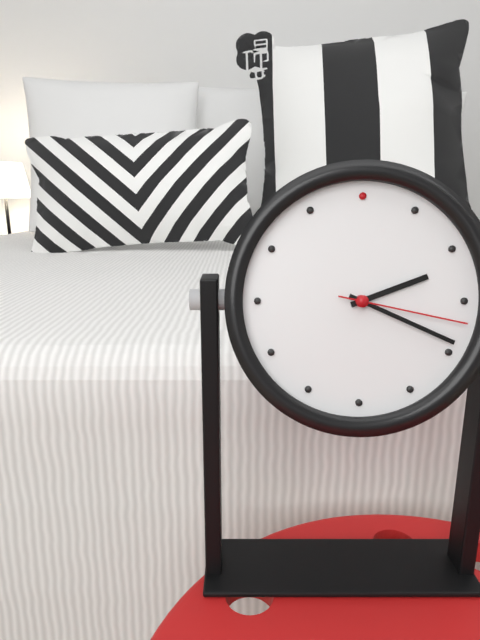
2:19:17
